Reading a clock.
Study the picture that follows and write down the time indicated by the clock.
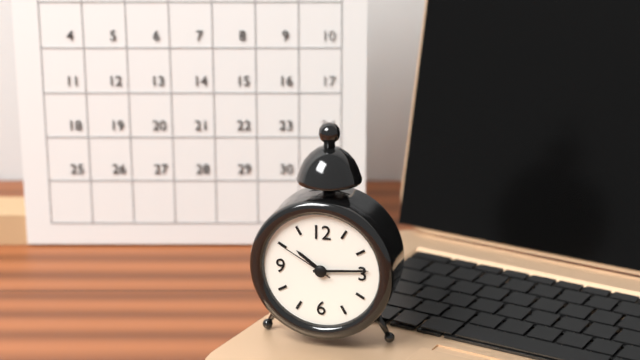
10:14:50
